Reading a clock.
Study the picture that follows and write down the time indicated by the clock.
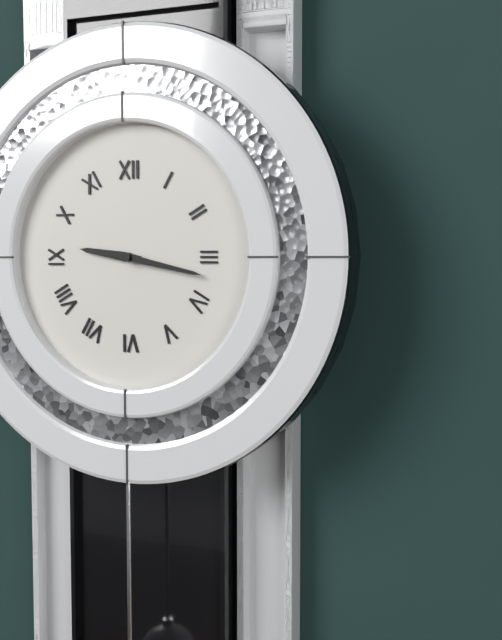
9:17
